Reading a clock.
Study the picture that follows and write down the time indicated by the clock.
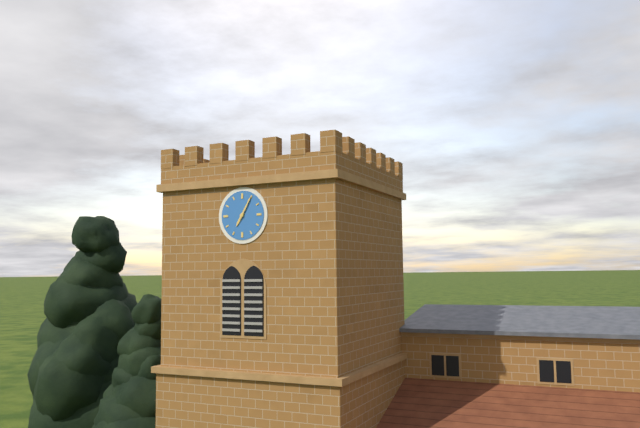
7:05
